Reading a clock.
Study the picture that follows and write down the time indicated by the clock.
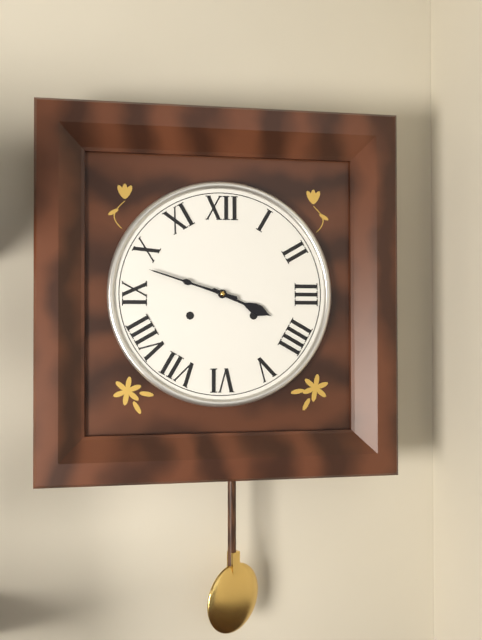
3:48
